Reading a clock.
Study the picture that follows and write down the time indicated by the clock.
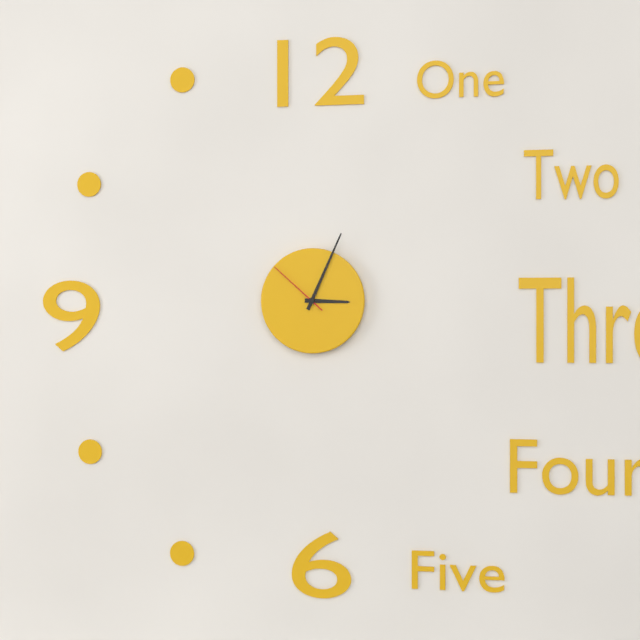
3:04:52
